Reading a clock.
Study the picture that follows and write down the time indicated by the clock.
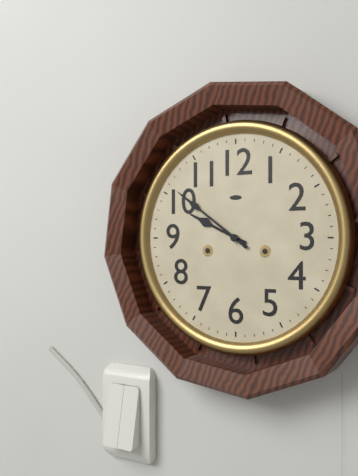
9:51
